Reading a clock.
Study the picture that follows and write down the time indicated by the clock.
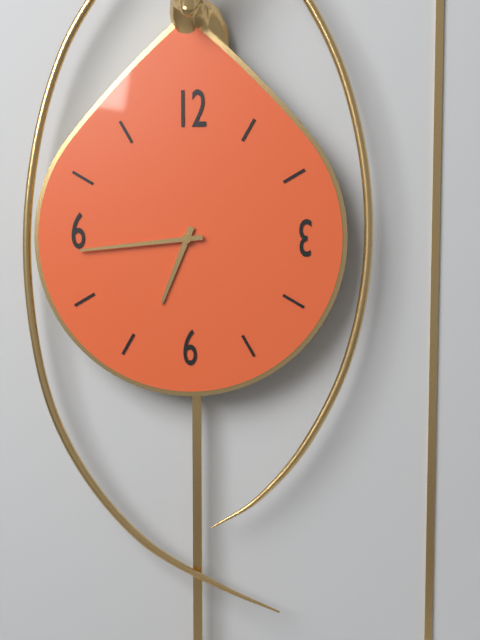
6:44
